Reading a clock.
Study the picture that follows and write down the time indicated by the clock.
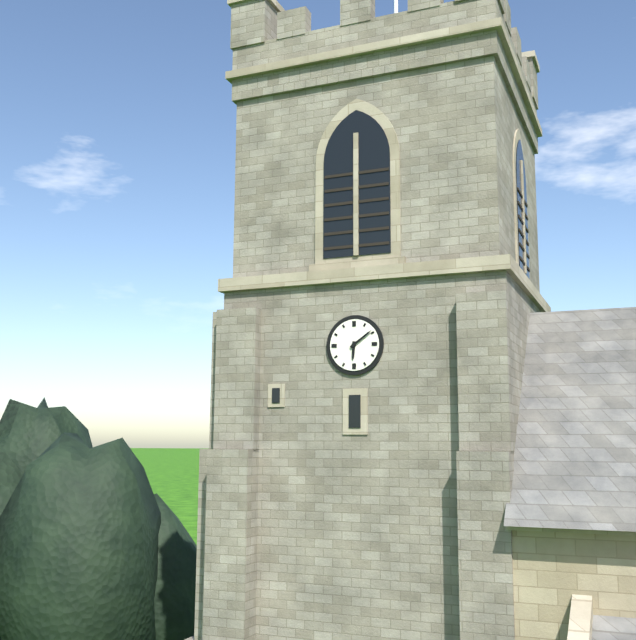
6:09
